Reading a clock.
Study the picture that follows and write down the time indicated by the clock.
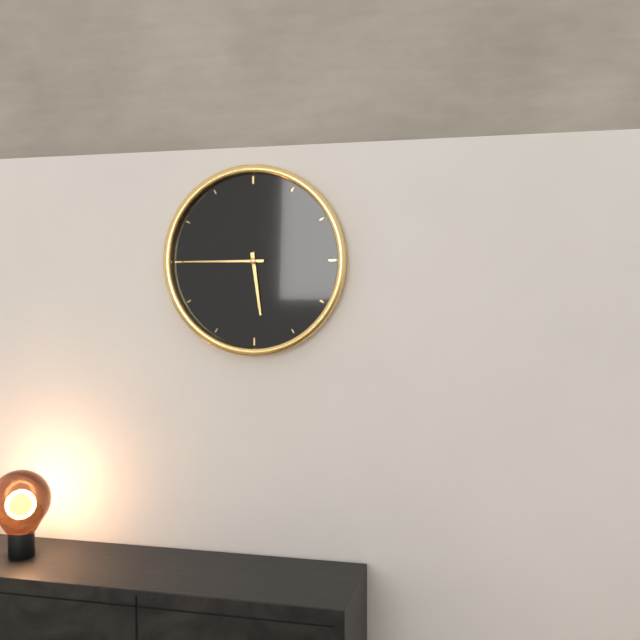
5:45
